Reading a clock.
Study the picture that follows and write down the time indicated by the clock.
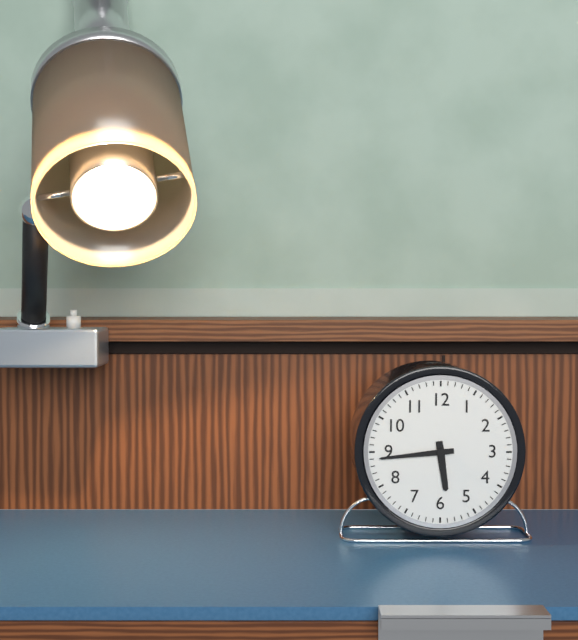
5:44
